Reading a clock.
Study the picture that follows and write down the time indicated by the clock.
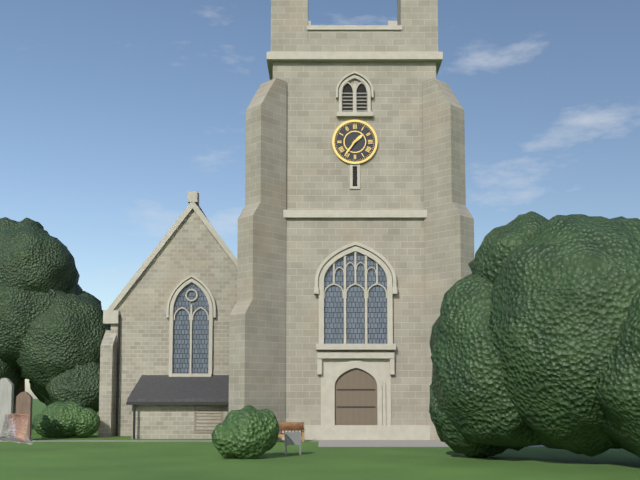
1:36
